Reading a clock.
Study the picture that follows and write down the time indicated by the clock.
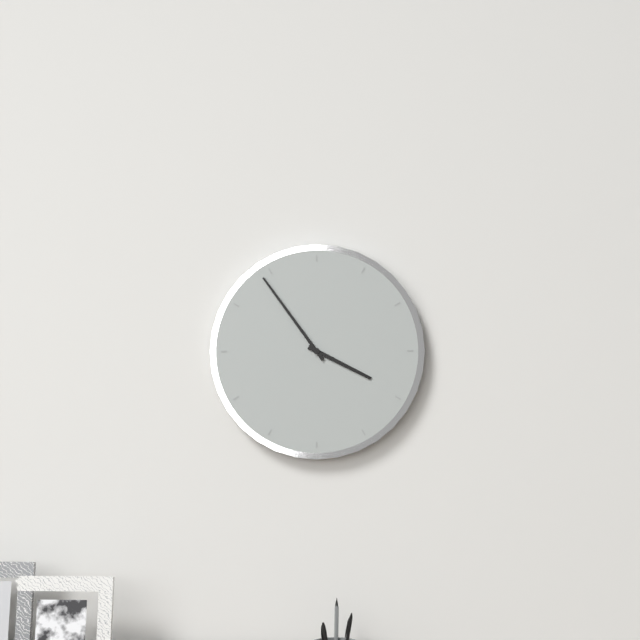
3:54
